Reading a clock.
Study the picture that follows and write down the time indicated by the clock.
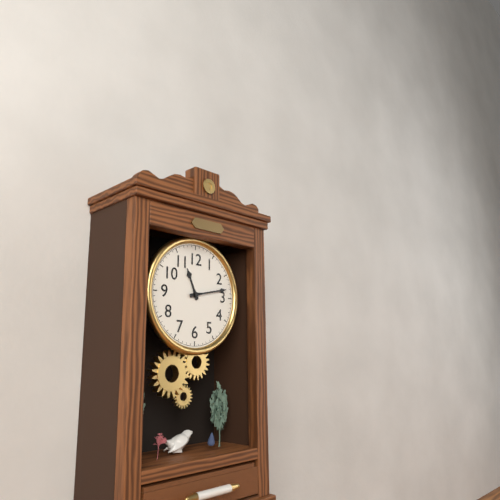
11:13
